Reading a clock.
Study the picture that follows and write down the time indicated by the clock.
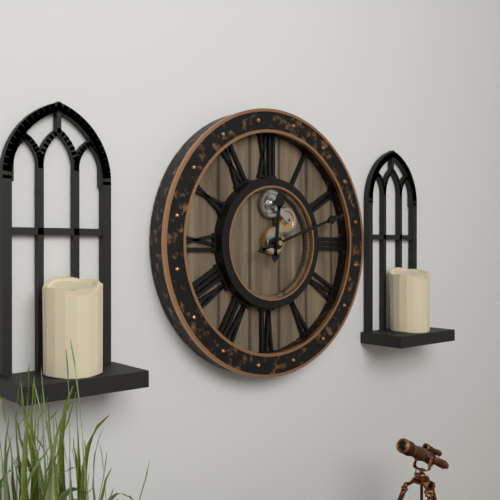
12:12
